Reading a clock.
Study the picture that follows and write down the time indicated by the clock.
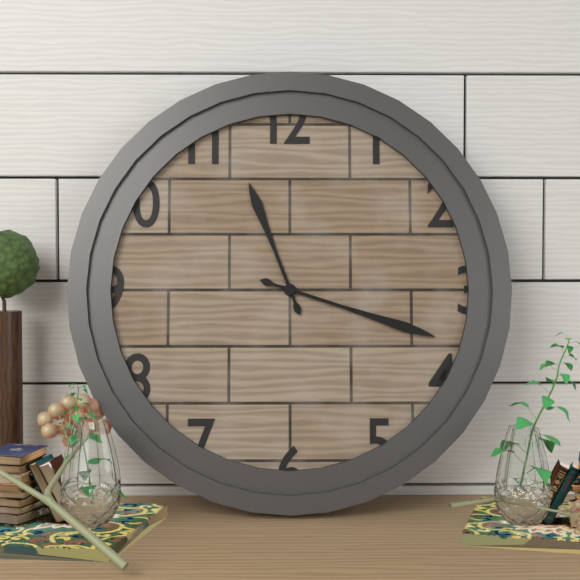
11:18
